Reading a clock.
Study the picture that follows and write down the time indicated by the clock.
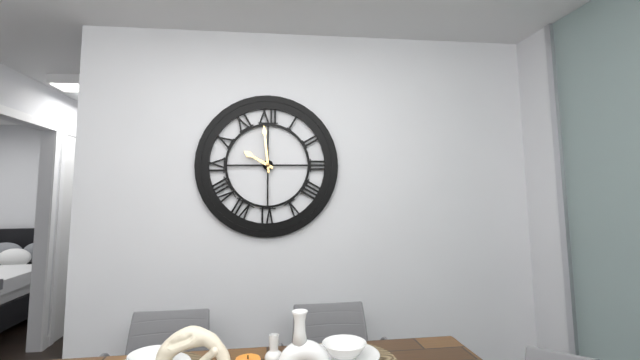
9:59
